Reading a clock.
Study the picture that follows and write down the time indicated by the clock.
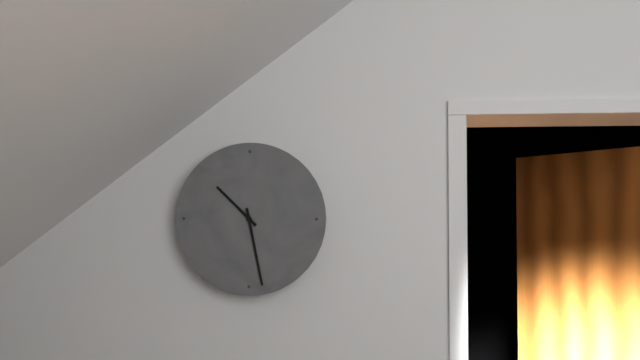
10:28
